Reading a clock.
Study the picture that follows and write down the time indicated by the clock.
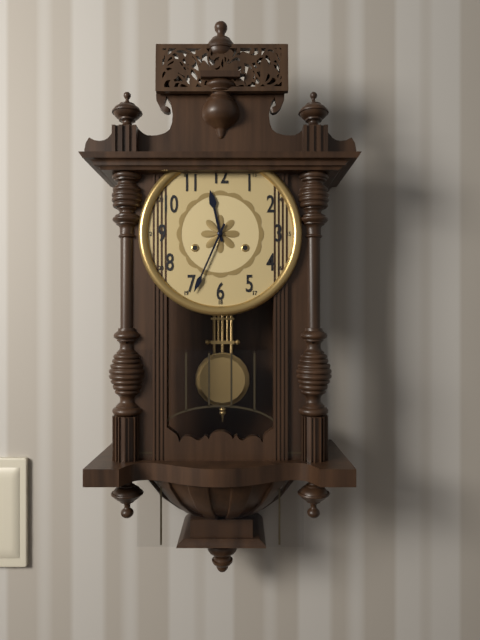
11:34
